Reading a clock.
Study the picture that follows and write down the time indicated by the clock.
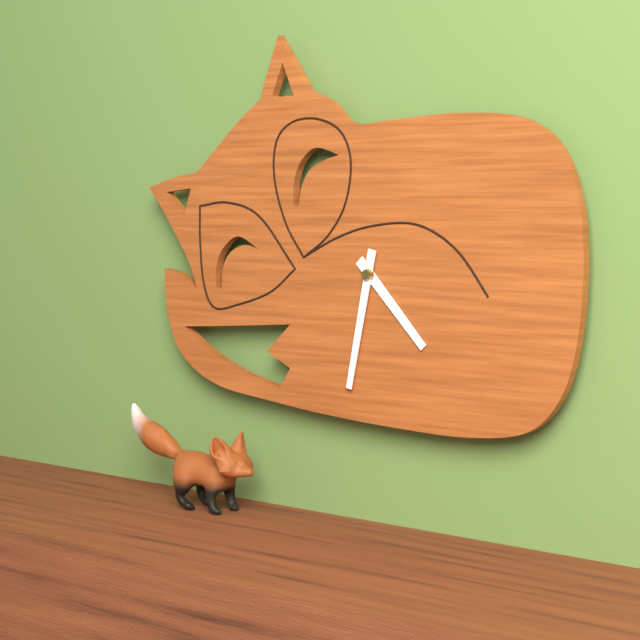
4:32
